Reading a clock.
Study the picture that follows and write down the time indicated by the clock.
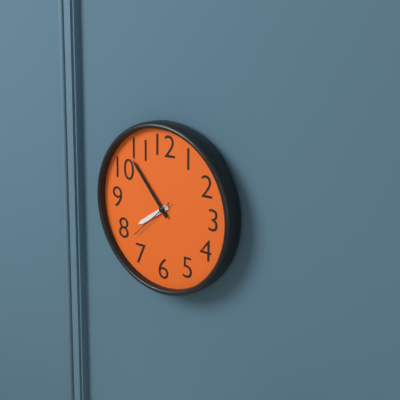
7:53
